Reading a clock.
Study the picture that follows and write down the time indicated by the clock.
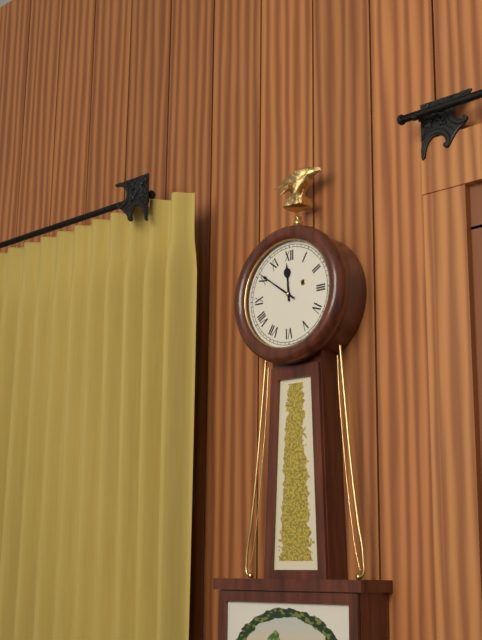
11:51
